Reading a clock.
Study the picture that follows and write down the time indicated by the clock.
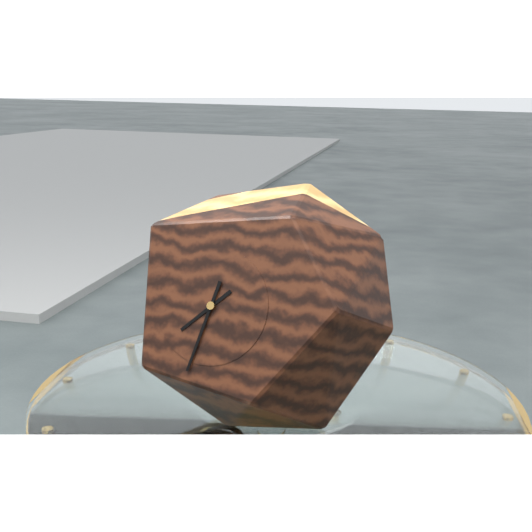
7:32
